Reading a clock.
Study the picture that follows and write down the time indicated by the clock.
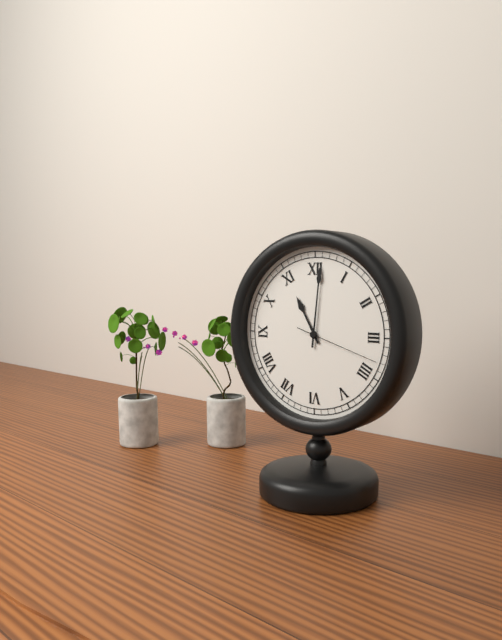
11:01:18
